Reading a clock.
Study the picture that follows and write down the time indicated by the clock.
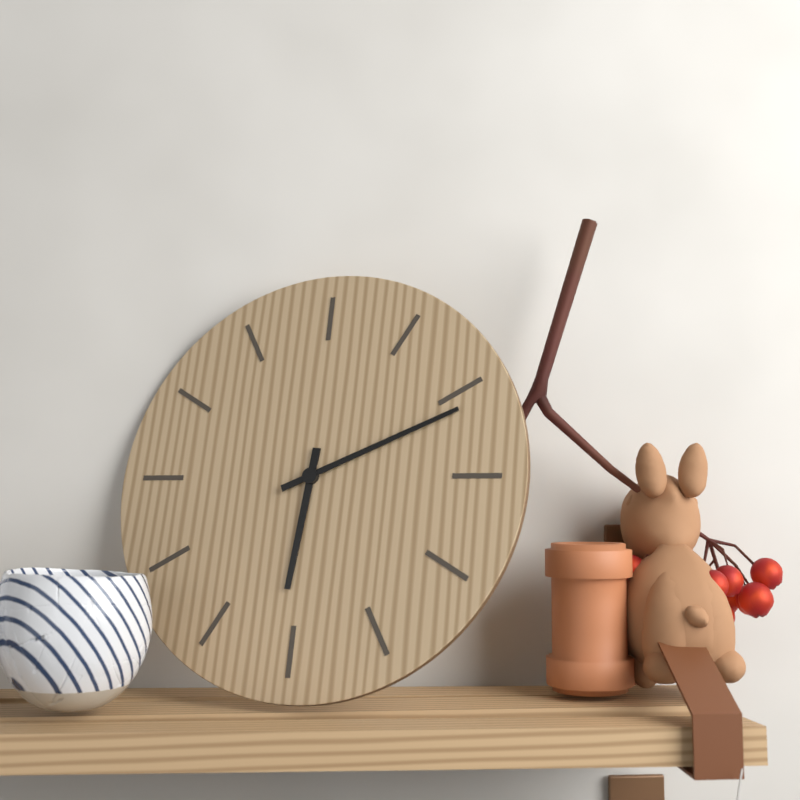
6:11
